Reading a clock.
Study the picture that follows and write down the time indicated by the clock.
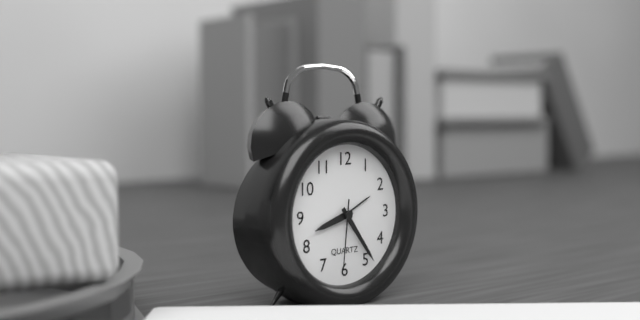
8:24:31
